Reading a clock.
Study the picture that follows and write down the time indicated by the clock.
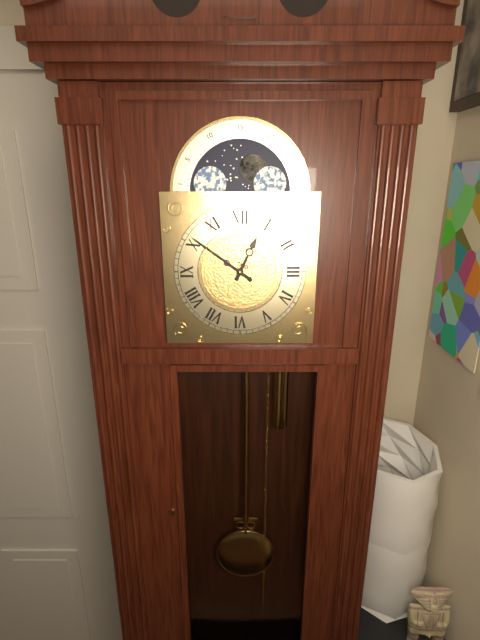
12:51
